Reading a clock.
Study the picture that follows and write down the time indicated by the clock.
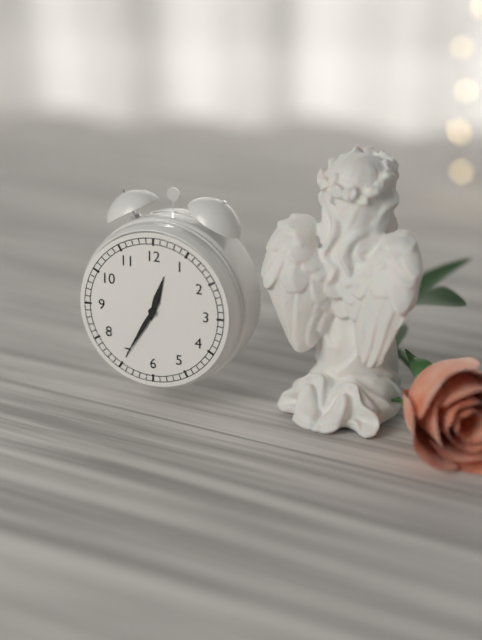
12:35
